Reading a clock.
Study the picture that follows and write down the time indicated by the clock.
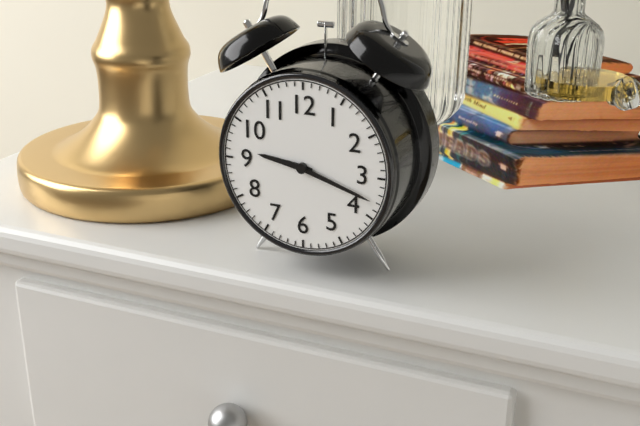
9:18
